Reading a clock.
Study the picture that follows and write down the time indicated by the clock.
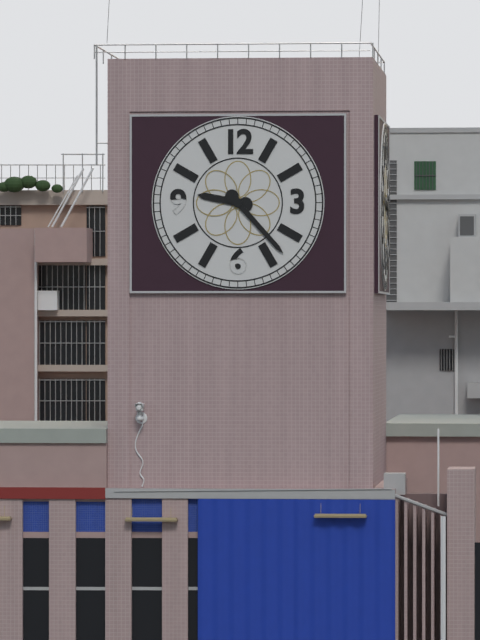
9:23
